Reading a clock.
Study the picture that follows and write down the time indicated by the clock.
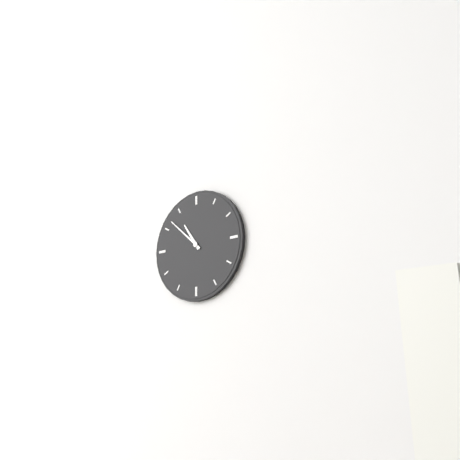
10:52
